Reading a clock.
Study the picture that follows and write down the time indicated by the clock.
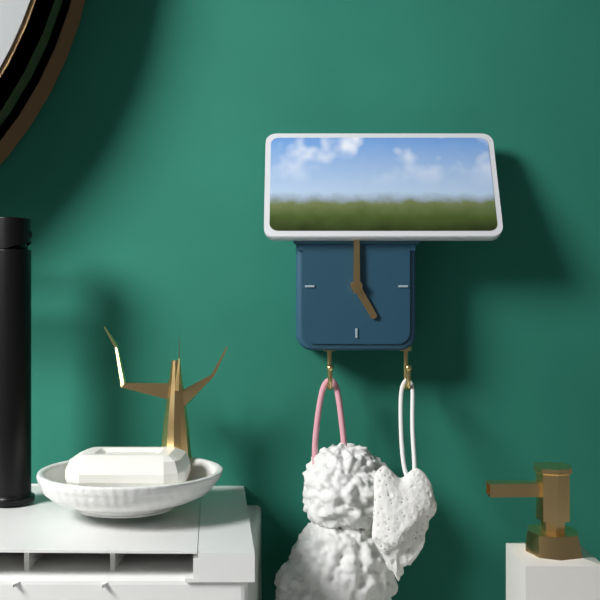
5:00
